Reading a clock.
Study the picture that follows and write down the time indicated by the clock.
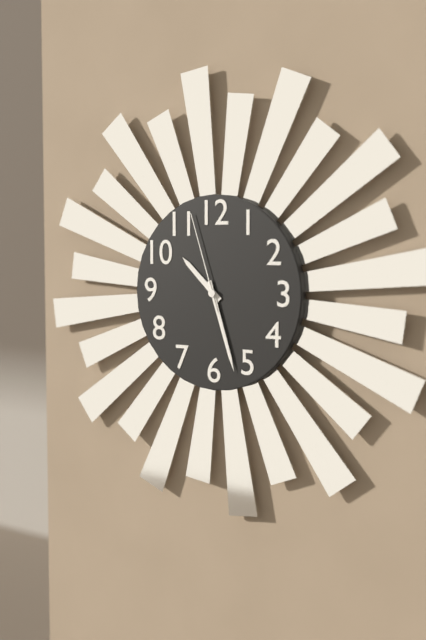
10:27:57
